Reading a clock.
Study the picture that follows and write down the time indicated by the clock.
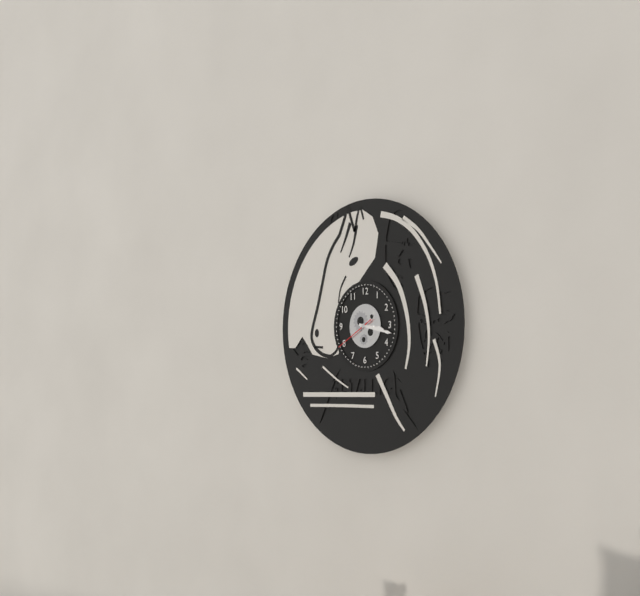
3:17
